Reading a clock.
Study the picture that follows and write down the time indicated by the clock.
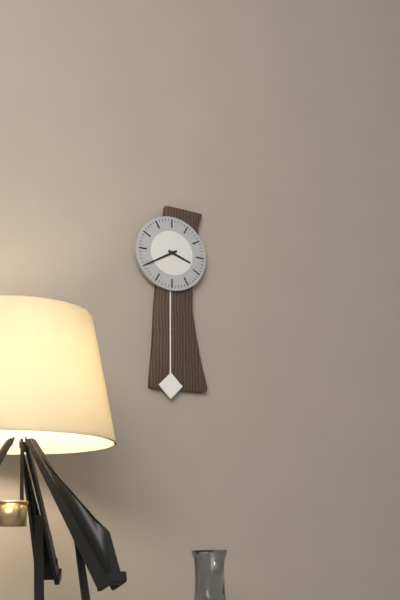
3:40
